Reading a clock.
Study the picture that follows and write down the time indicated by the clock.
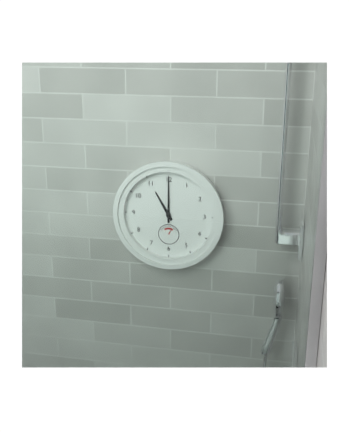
11:00
